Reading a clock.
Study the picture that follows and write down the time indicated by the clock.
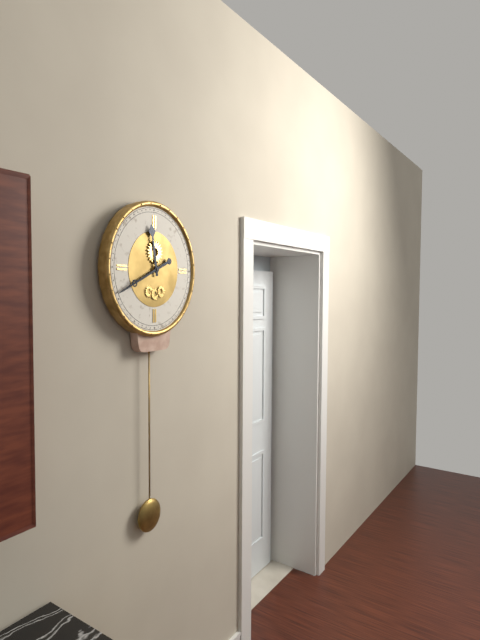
11:41
